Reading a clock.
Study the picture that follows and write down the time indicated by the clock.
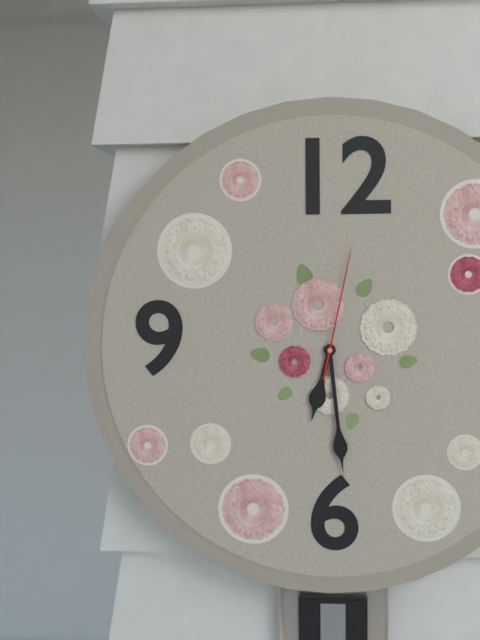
6:29:02
